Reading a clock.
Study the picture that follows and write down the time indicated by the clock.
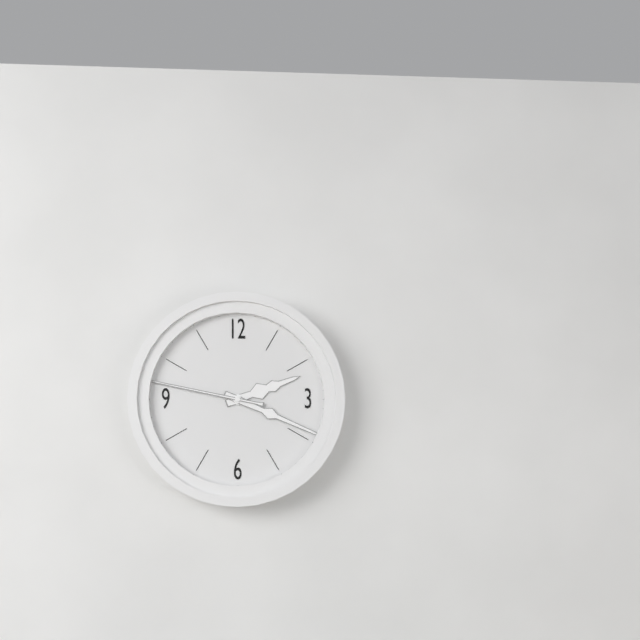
2:19:47
